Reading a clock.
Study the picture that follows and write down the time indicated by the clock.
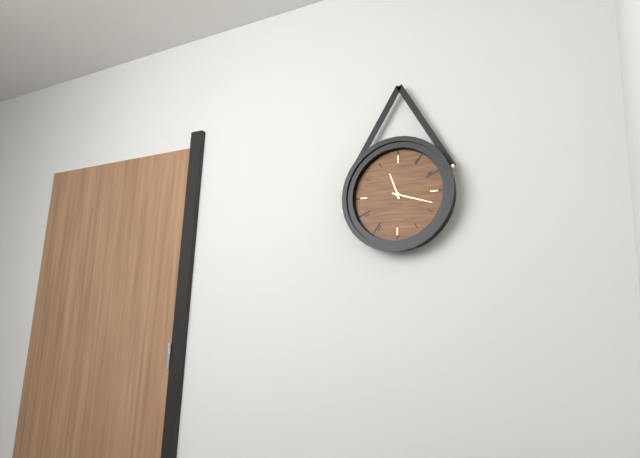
11:18
